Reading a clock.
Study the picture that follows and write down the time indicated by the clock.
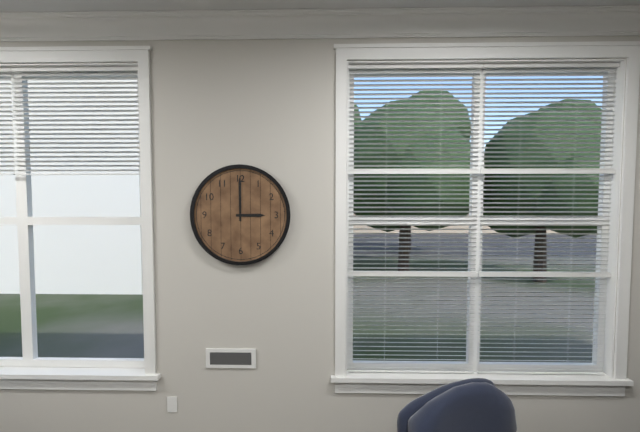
3:00
